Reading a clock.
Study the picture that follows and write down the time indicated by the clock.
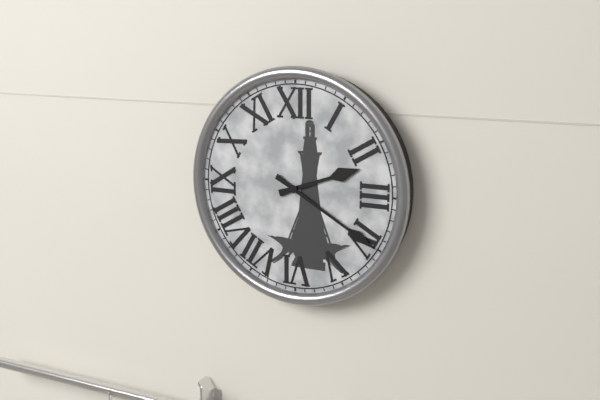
2:20
